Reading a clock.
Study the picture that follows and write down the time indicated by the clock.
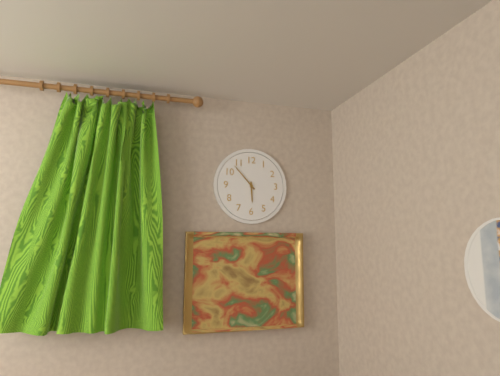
5:53
